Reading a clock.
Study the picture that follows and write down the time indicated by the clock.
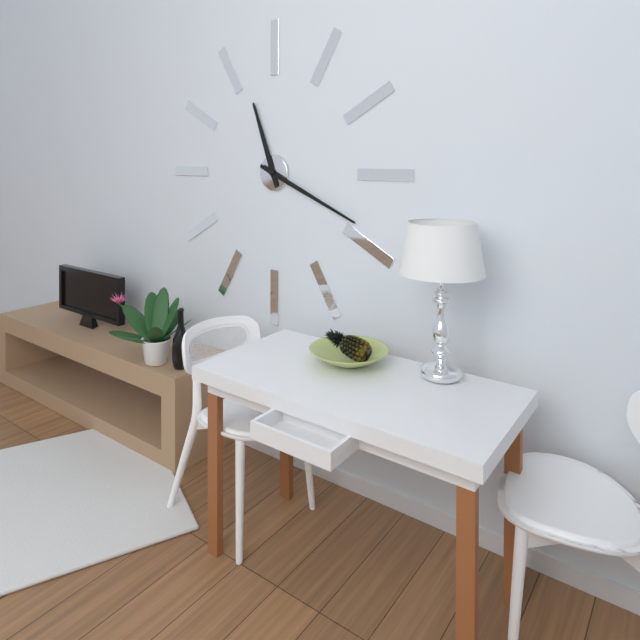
11:19
